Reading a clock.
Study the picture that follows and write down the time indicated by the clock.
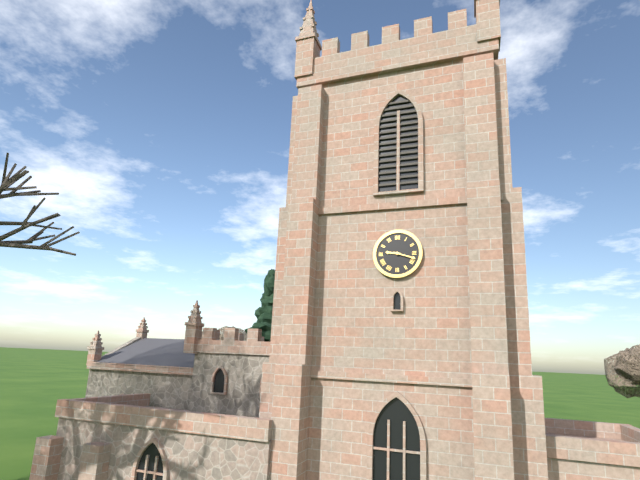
9:18
